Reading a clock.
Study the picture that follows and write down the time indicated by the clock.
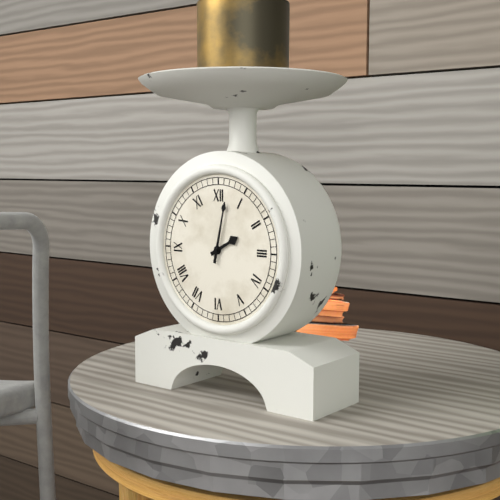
2:02
